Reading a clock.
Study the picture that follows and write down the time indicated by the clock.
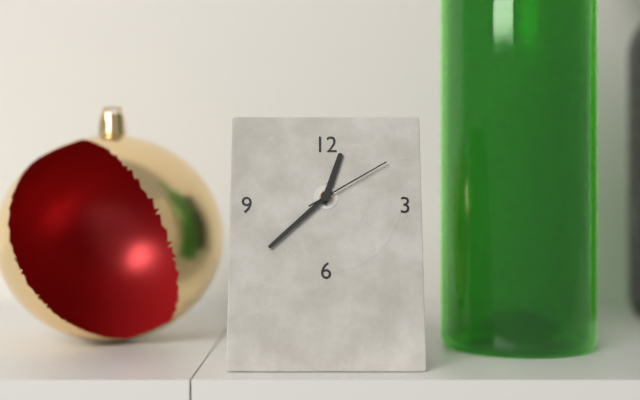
12:38:10
